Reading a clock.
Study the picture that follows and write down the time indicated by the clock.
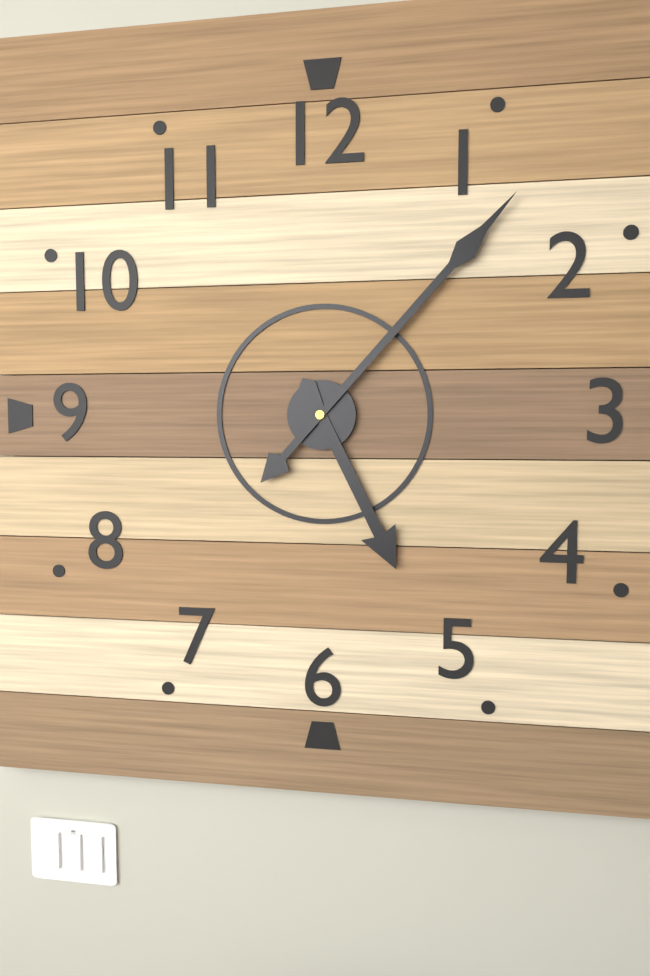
5:07
